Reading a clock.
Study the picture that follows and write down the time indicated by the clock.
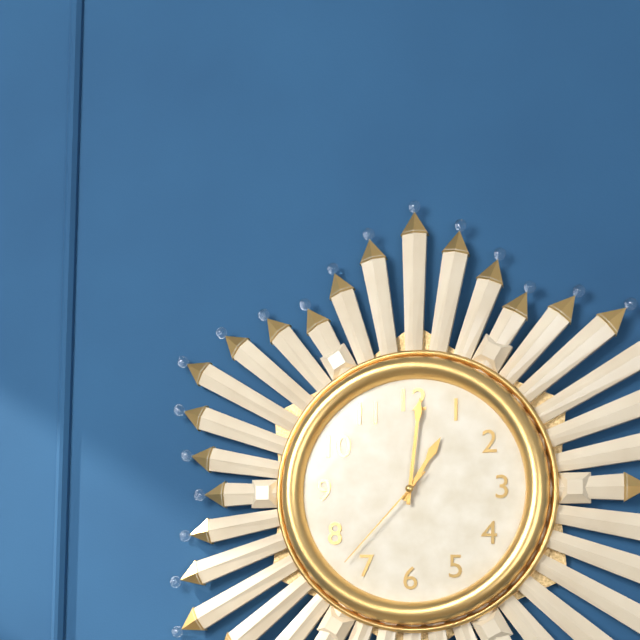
1:01:37
